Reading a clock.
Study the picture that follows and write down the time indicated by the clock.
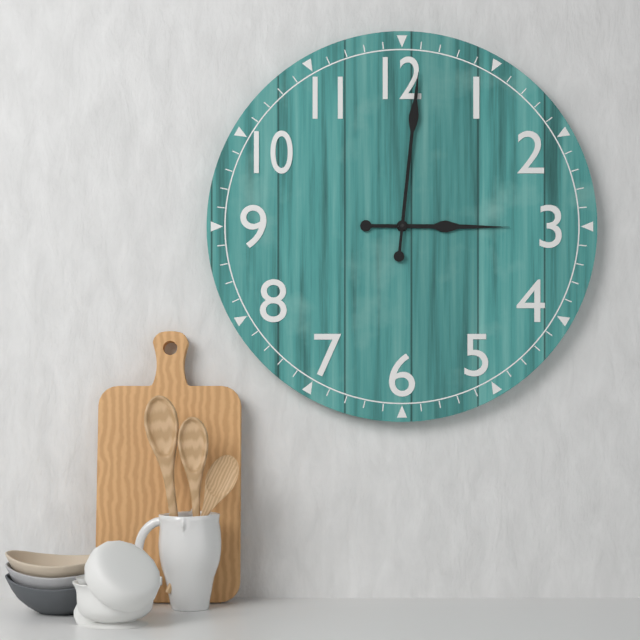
3:01
